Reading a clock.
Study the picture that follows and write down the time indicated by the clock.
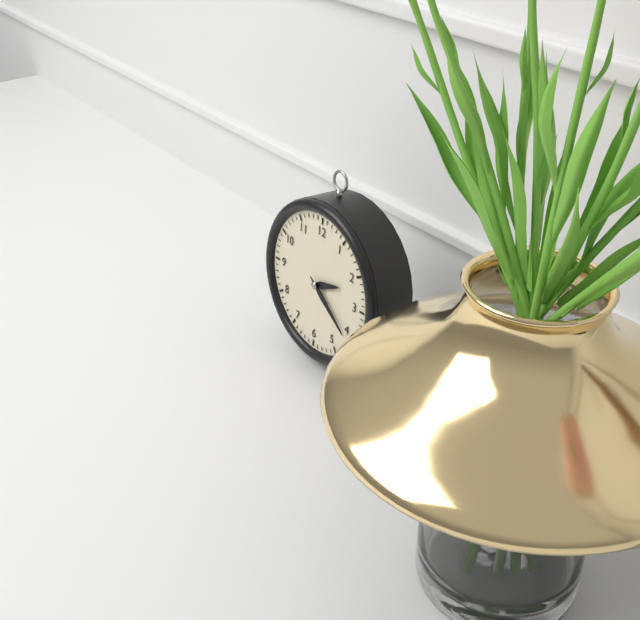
2:21
